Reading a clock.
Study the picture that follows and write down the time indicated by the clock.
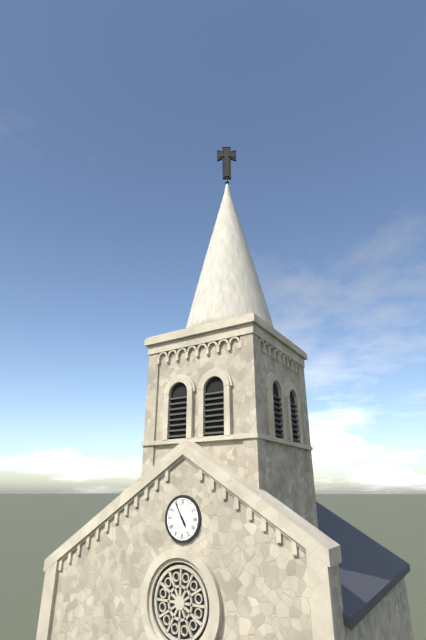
4:55
